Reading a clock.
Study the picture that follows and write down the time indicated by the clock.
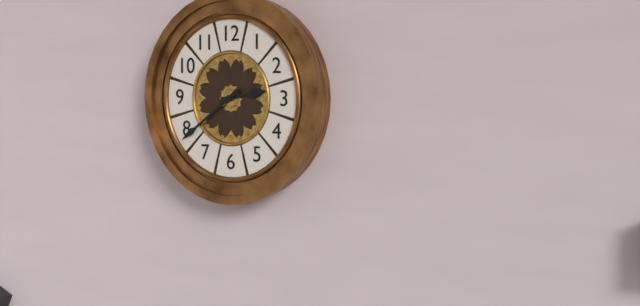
2:39
